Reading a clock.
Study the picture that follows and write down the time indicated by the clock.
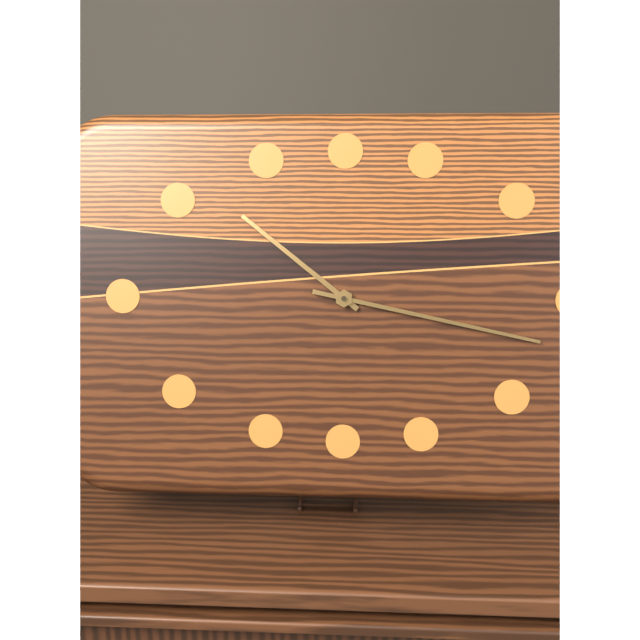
10:17
